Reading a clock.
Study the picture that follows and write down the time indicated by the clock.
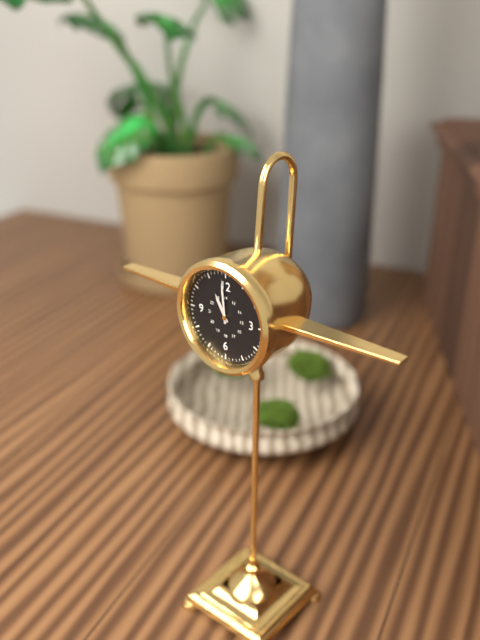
10:59
